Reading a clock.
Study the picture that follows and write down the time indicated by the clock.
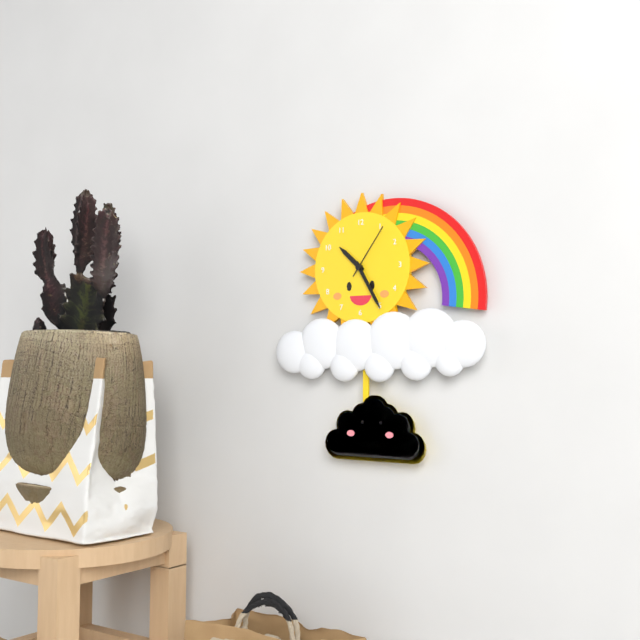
10:25:06
